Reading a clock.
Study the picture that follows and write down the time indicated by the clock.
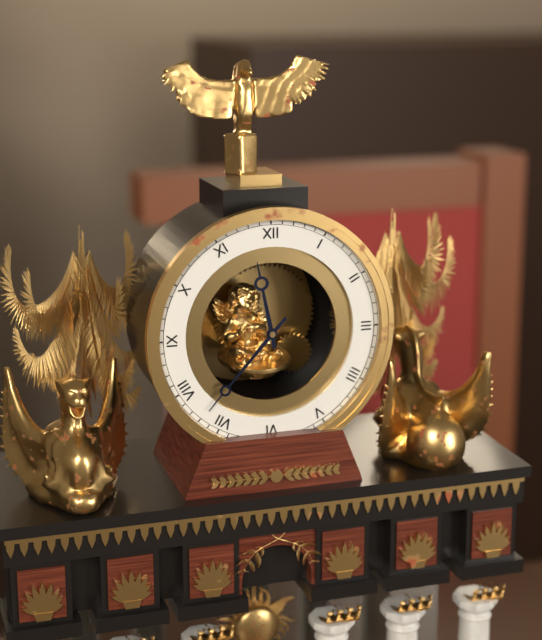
11:37
